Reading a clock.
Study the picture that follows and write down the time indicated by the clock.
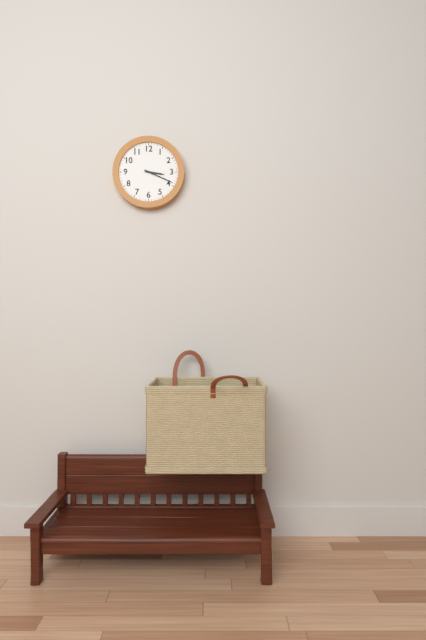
3:19
